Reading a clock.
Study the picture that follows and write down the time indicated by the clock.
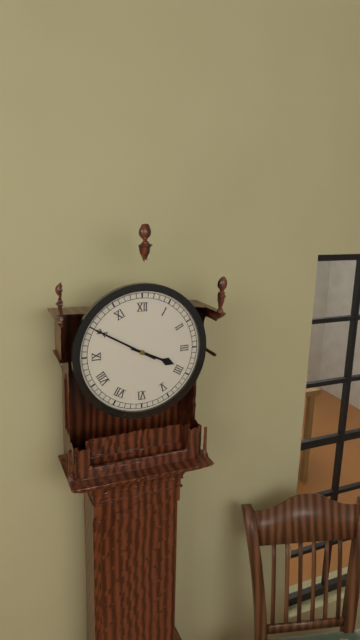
3:50
